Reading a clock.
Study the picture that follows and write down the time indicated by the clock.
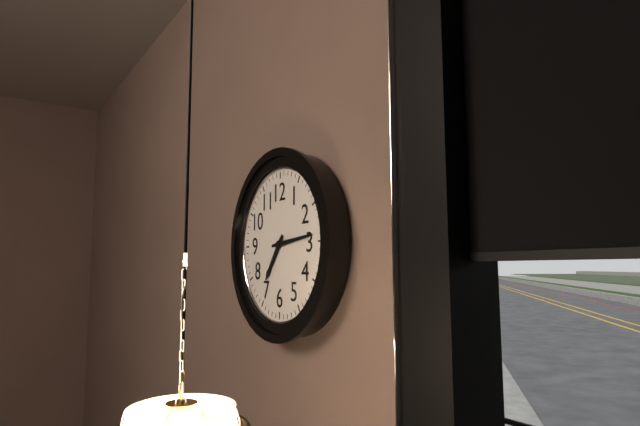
7:14
